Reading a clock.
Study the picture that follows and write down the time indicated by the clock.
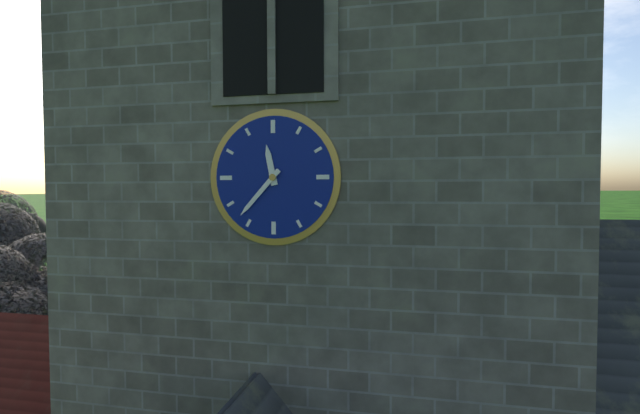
11:37
